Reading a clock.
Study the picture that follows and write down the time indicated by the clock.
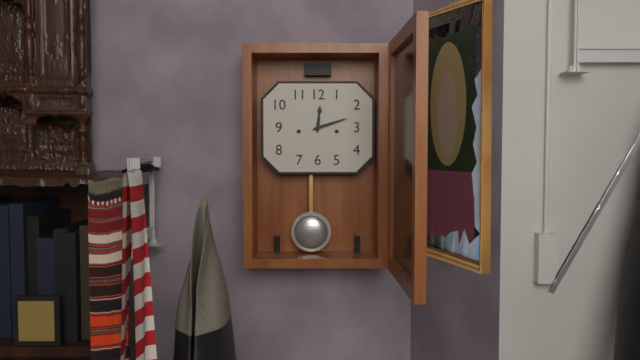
12:12
